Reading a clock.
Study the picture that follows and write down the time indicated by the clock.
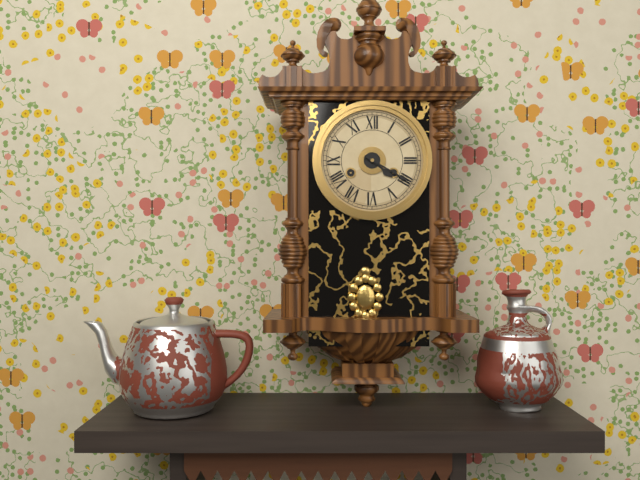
4:20
